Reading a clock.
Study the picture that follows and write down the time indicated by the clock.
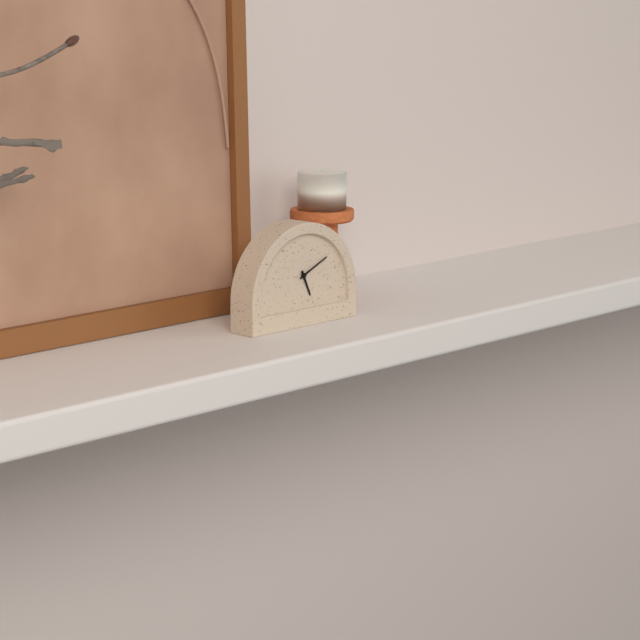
5:11
